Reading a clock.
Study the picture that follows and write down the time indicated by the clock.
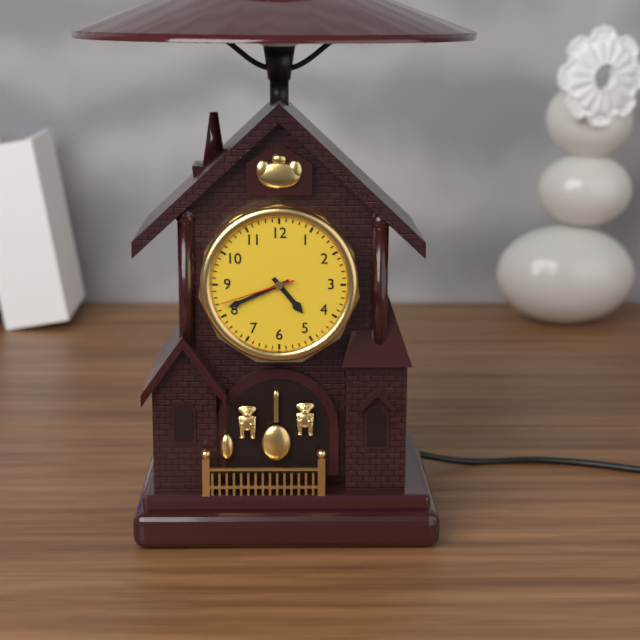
4:41:42
